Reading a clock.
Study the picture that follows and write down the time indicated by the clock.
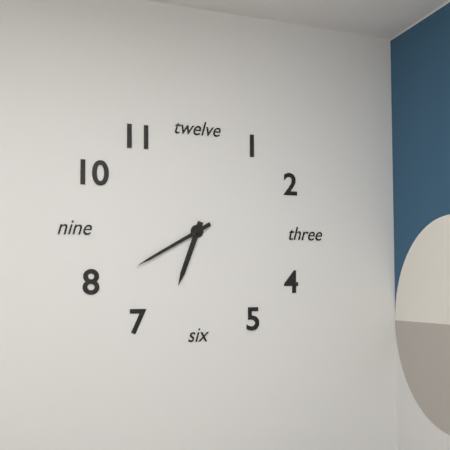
6:40
